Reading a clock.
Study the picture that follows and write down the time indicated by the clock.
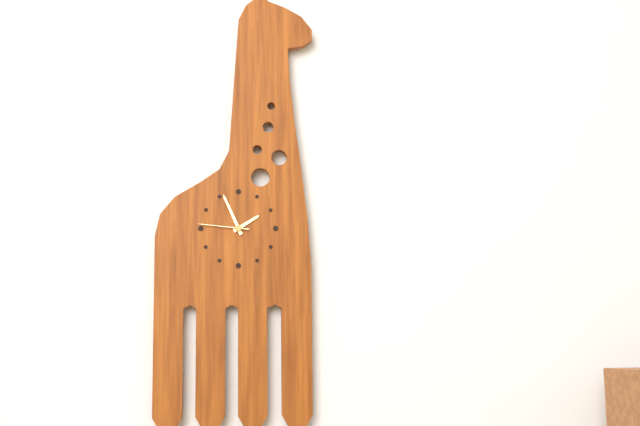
1:56:46
